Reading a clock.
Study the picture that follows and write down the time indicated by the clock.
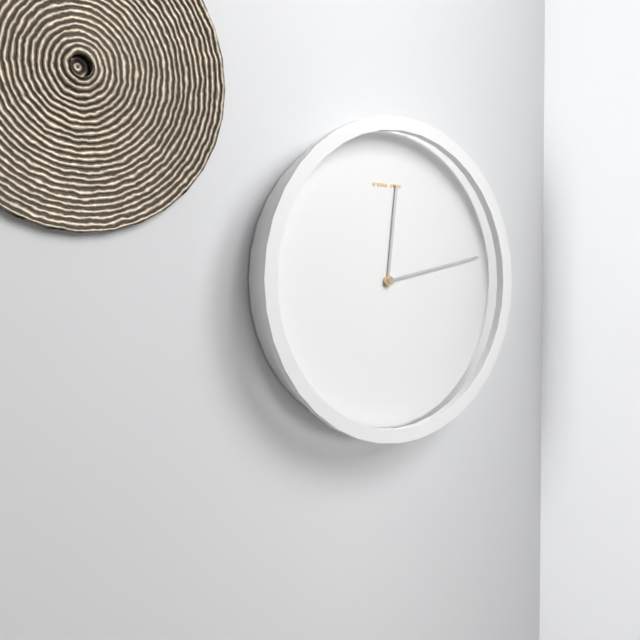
12:13
